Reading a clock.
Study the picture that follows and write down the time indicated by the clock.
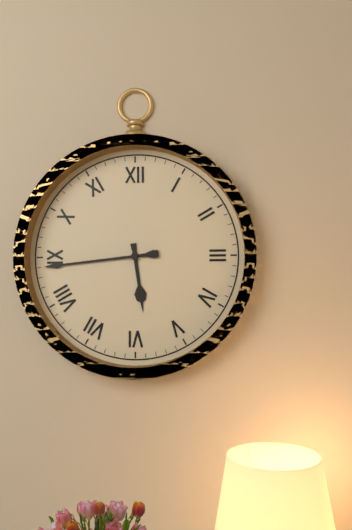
5:44
